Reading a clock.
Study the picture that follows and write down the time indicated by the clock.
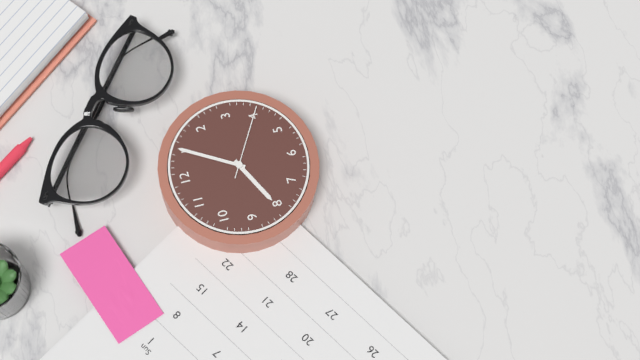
8:05:20
